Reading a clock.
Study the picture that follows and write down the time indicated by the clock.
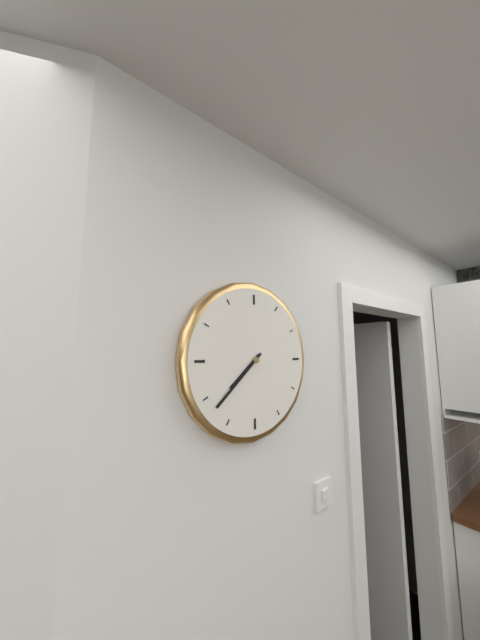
7:38
